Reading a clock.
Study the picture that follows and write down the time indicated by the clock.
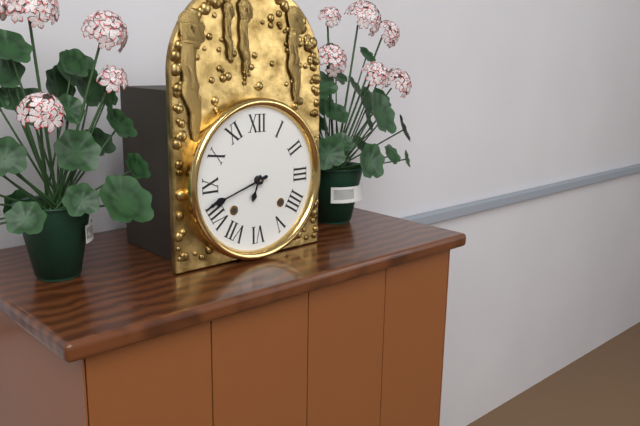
6:42
